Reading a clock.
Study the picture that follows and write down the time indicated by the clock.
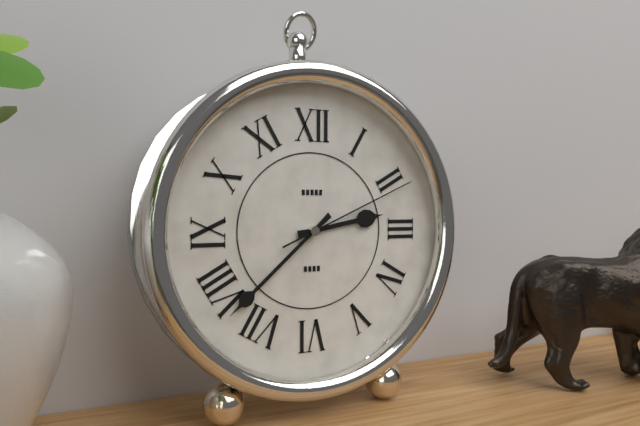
2:38:11
